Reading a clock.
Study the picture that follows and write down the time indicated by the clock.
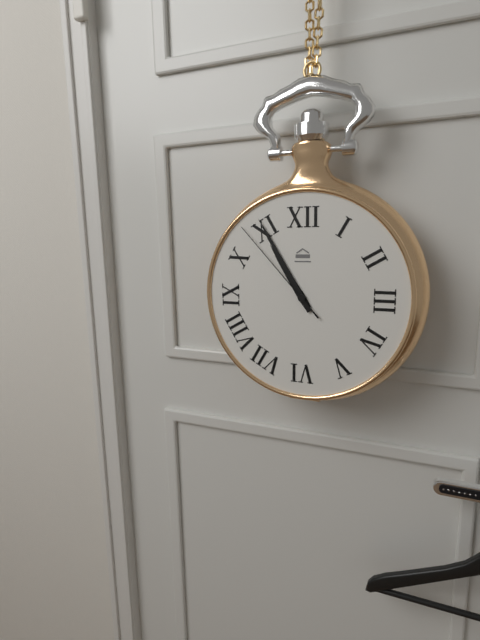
10:55:53
